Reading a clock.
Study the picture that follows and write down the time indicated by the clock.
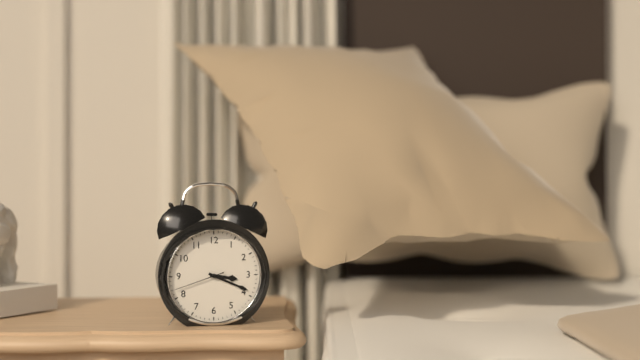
3:19:42
